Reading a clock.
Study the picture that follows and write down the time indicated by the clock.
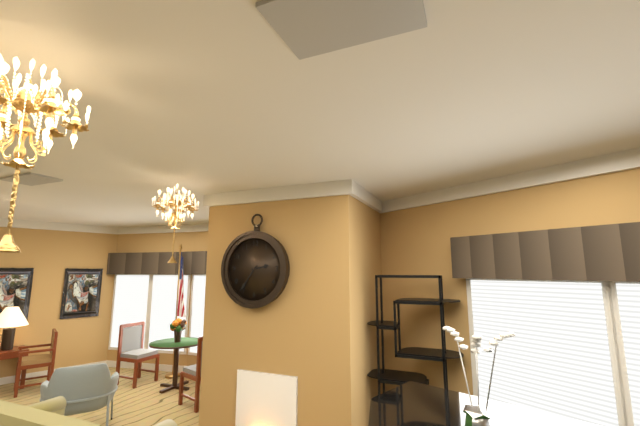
2:36
